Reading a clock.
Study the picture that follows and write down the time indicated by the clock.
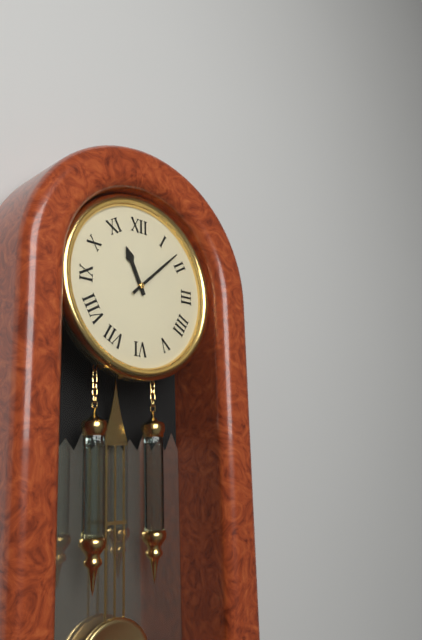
11:08
